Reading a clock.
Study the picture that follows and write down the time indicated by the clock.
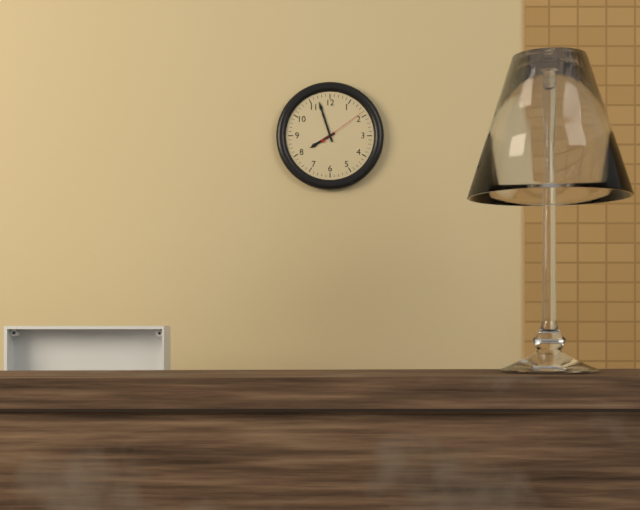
7:57
